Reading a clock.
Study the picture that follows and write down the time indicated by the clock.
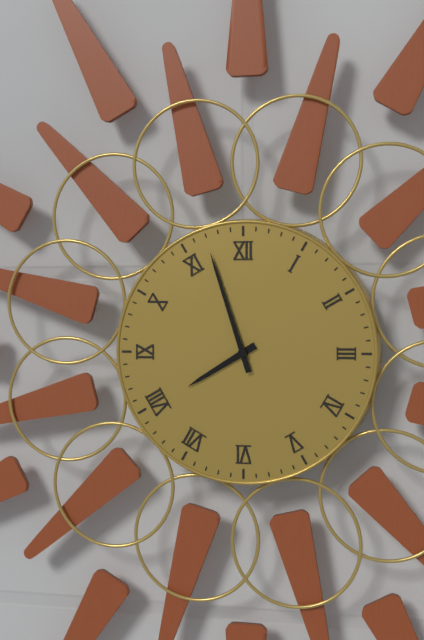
7:57
